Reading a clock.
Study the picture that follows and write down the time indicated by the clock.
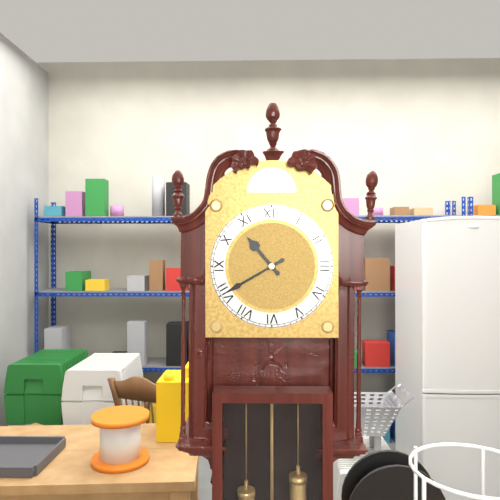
10:40
